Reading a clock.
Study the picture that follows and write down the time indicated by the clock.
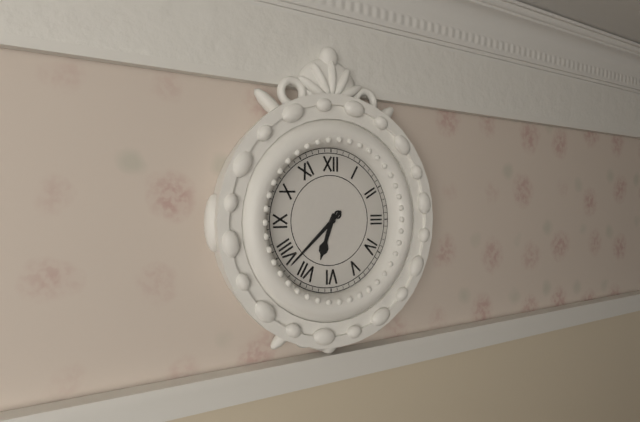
6:38
